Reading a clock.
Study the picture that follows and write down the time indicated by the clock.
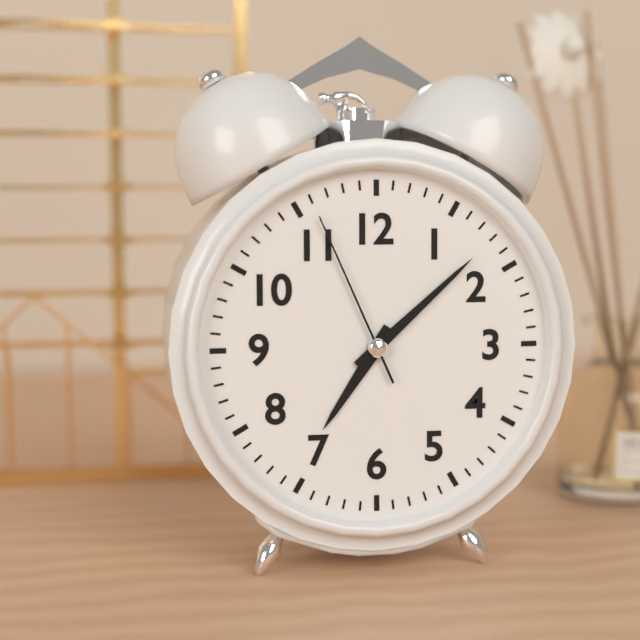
7:08:56
